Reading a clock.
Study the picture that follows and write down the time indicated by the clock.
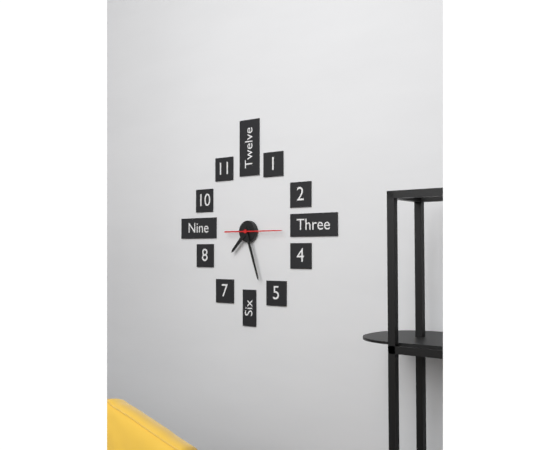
7:27
